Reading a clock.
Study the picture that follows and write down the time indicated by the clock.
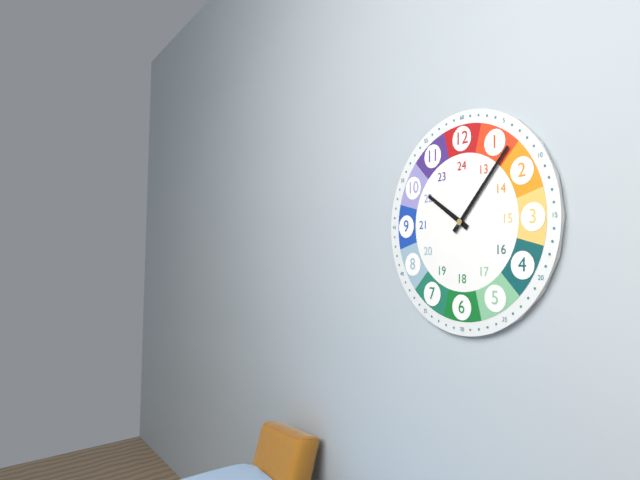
10:07
